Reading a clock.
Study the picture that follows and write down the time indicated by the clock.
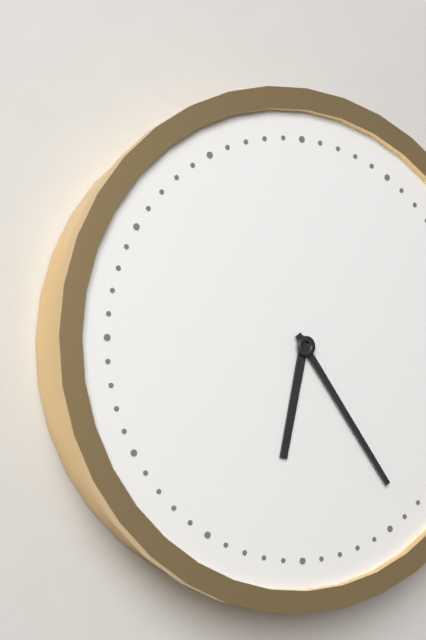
6:24
